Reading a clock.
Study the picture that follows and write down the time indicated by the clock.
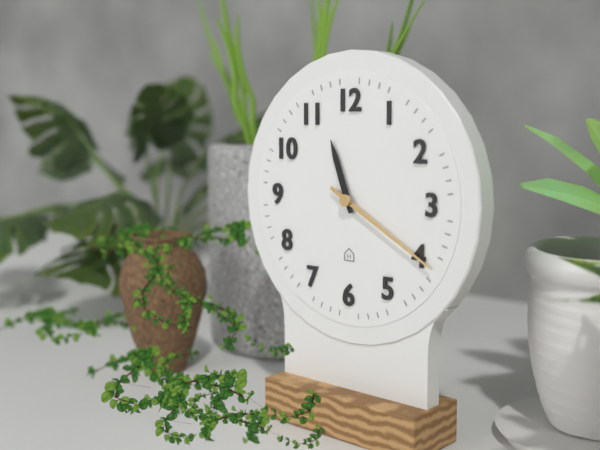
11:20
